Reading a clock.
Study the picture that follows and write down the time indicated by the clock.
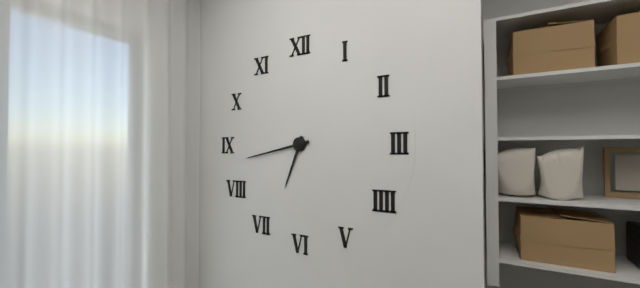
6:43
